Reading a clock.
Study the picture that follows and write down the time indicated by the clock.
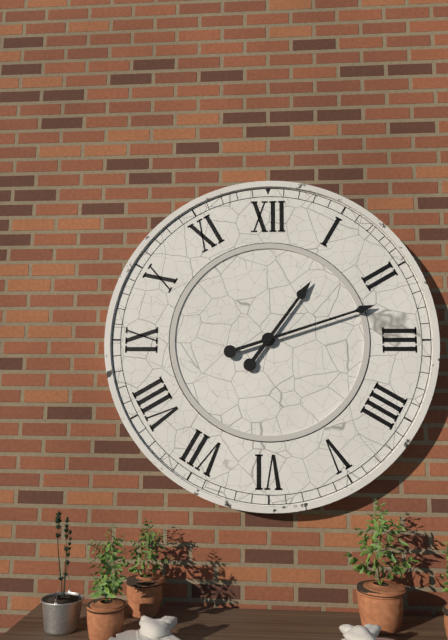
1:12
